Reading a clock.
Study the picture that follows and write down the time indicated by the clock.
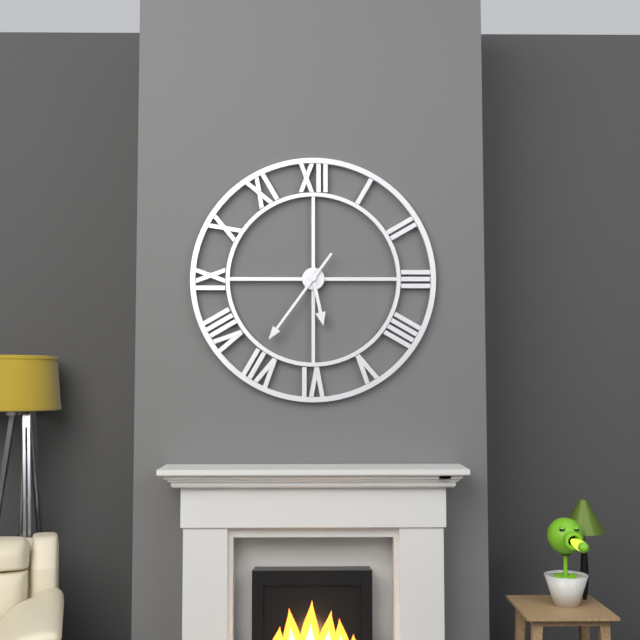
5:36
